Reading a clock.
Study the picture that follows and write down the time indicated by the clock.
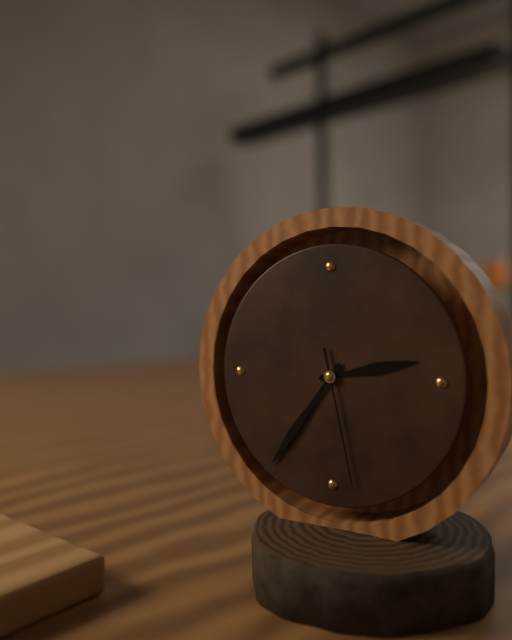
2:36:28
